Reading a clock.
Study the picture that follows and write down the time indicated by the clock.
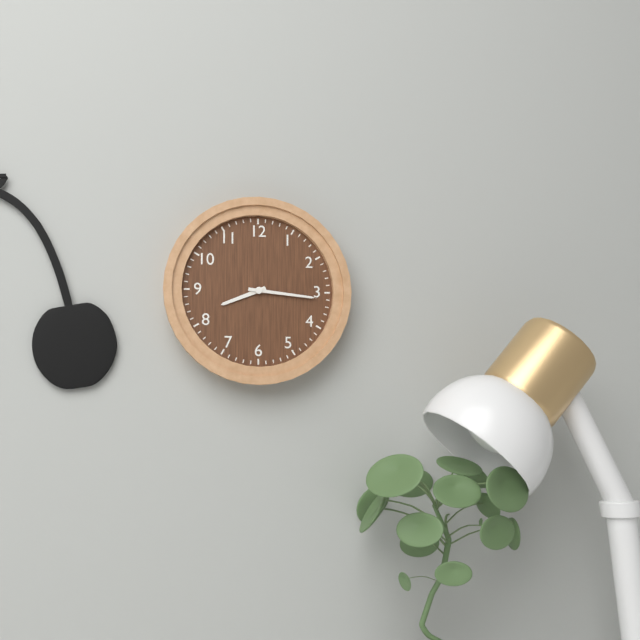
8:16
